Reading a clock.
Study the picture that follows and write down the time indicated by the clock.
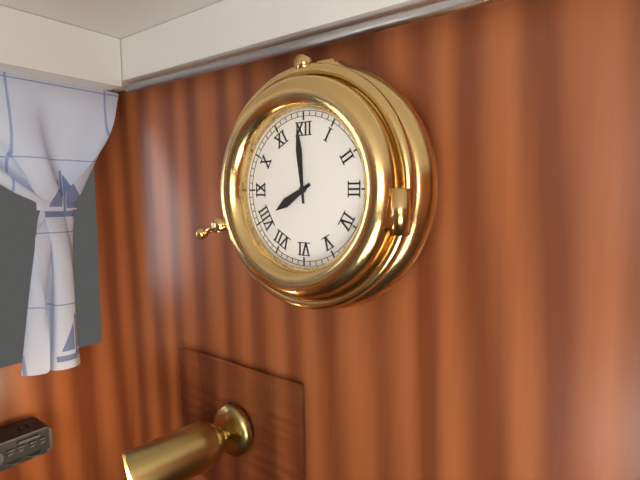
7:59
